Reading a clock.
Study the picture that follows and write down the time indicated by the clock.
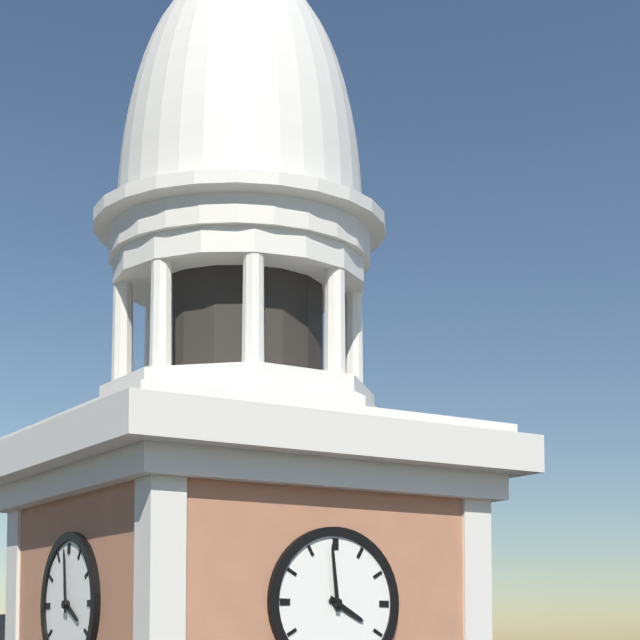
3:59
